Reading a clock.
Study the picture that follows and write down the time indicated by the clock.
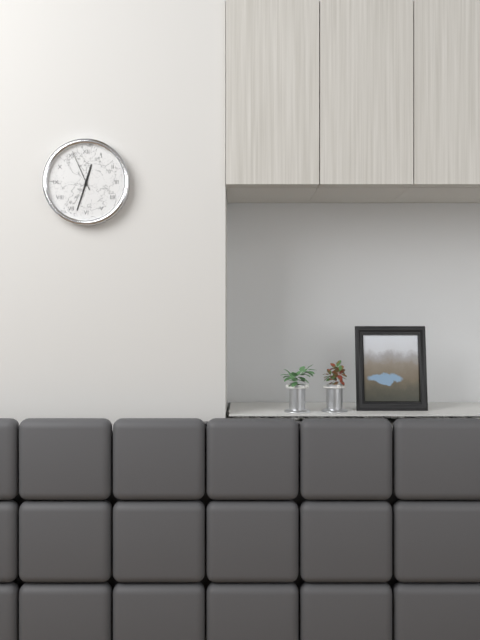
12:33
